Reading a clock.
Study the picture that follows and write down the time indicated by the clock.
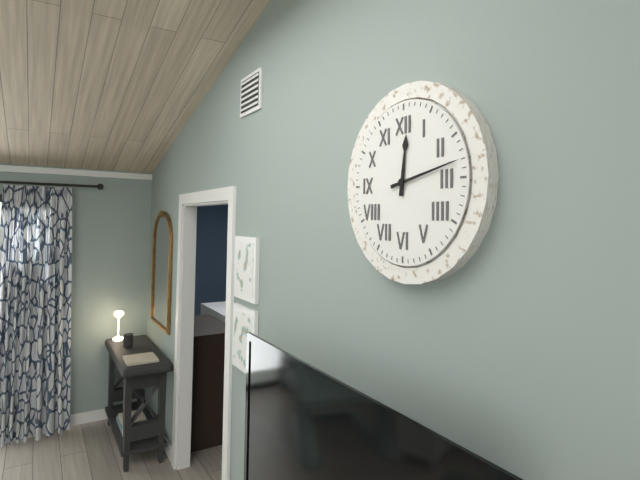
12:13
